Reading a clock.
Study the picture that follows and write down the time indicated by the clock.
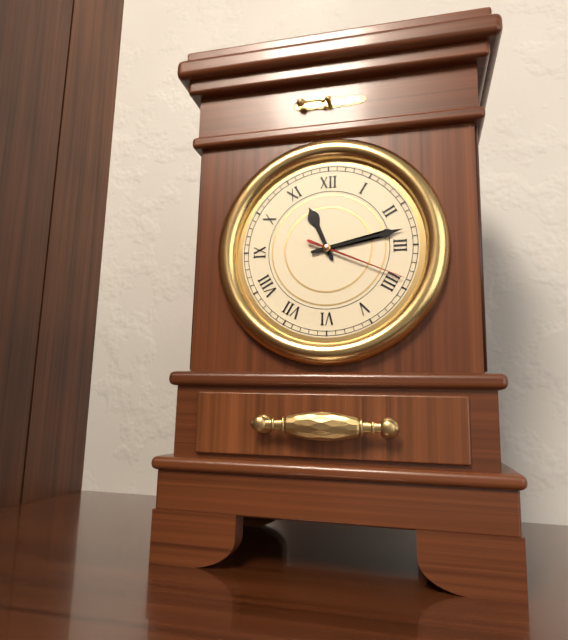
11:13:19
